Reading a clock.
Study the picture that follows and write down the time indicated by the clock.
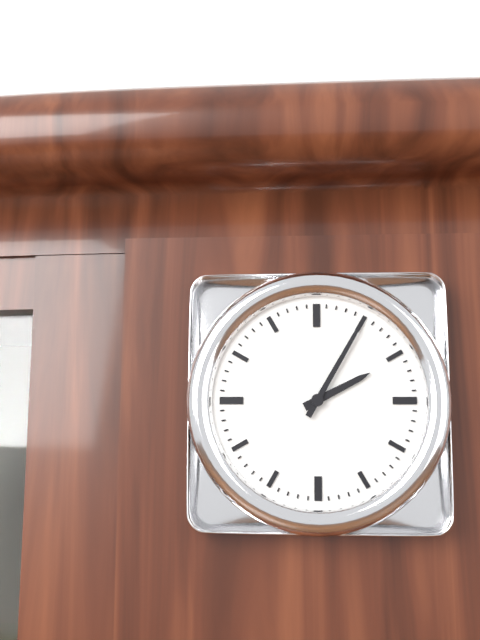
2:05
